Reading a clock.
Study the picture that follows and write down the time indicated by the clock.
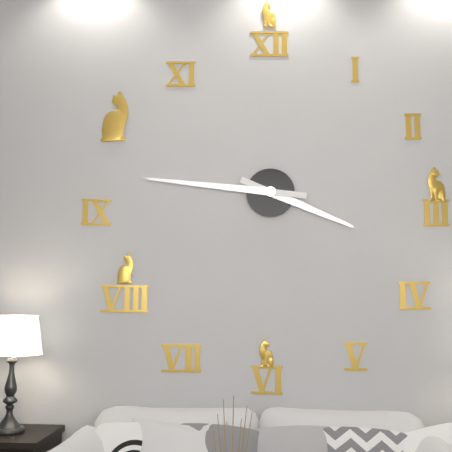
3:46
